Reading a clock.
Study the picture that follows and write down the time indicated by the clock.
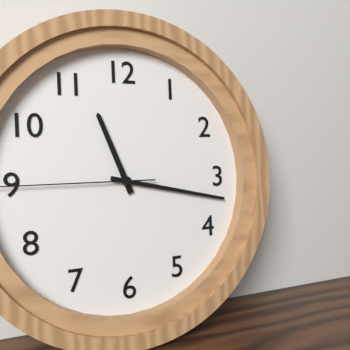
11:17
